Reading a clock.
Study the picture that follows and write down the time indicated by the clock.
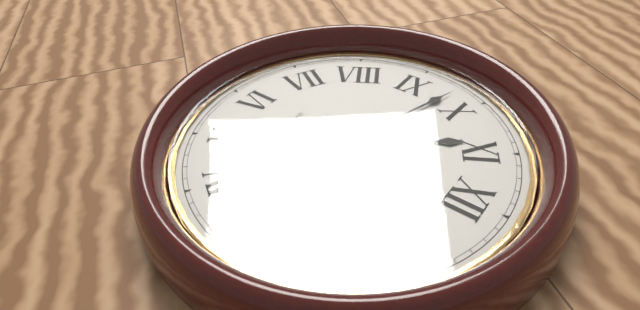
10:48:21
